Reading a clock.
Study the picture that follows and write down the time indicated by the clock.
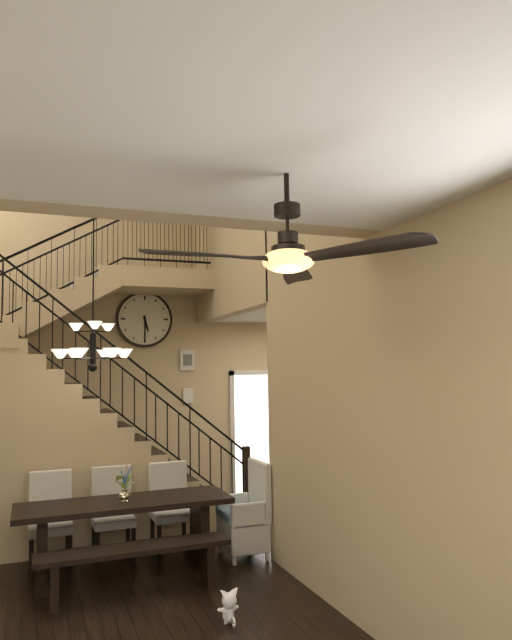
5:30
